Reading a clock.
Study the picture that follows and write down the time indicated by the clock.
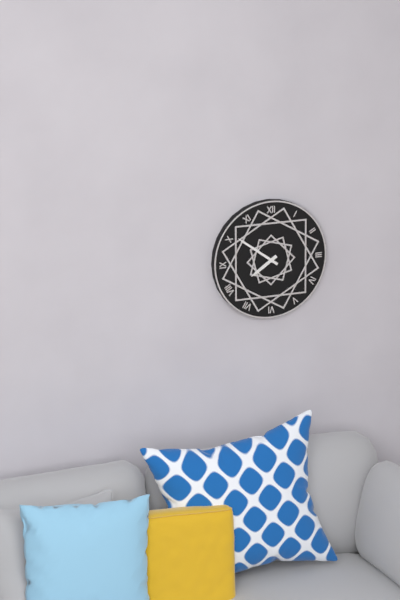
7:51
